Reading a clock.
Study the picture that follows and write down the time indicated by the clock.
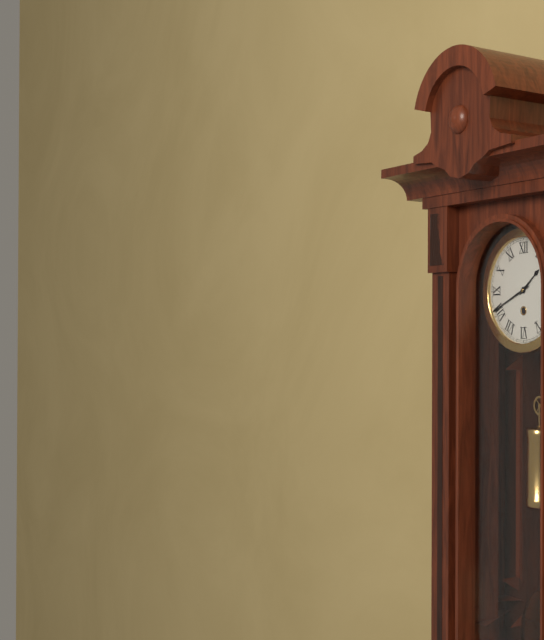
1:41
